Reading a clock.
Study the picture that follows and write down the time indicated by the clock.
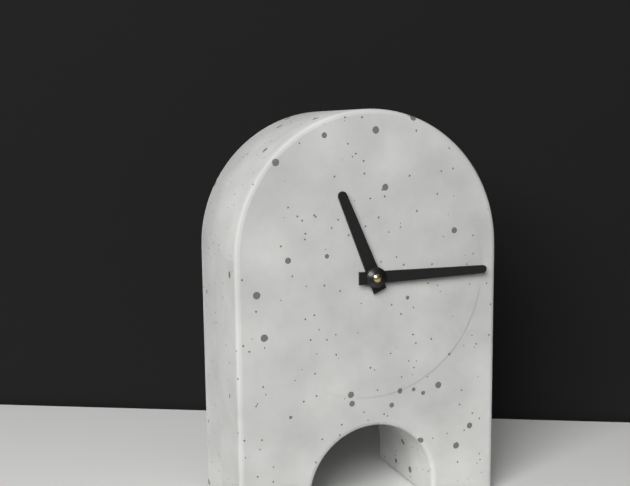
11:15
